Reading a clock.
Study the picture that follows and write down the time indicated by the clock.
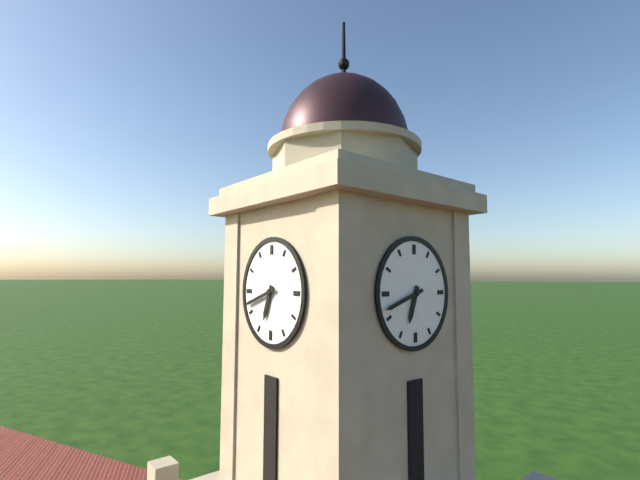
6:42
